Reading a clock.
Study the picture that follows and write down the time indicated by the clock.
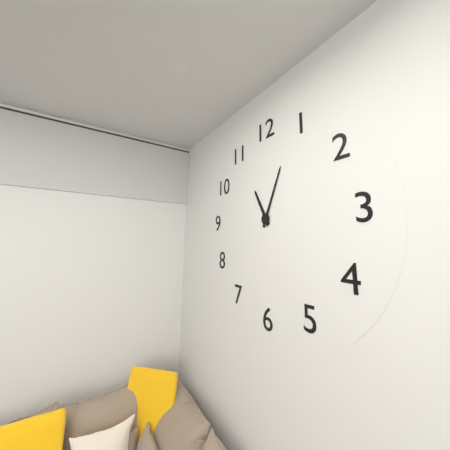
11:04
